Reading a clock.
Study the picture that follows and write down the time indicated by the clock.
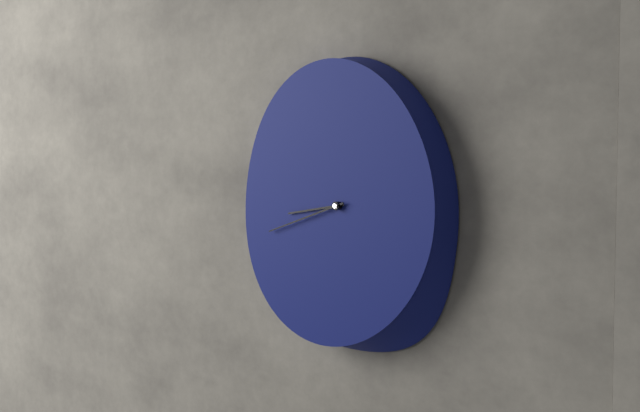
8:42
